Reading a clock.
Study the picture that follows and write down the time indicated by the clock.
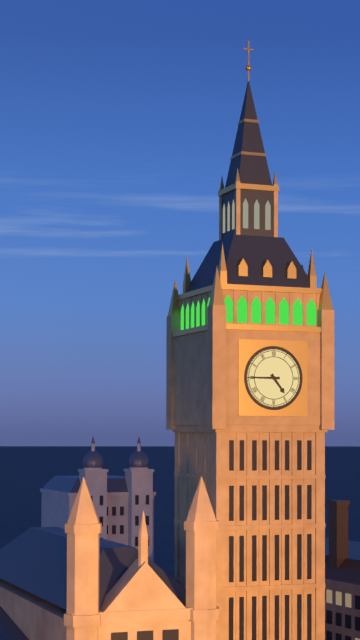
4:45
